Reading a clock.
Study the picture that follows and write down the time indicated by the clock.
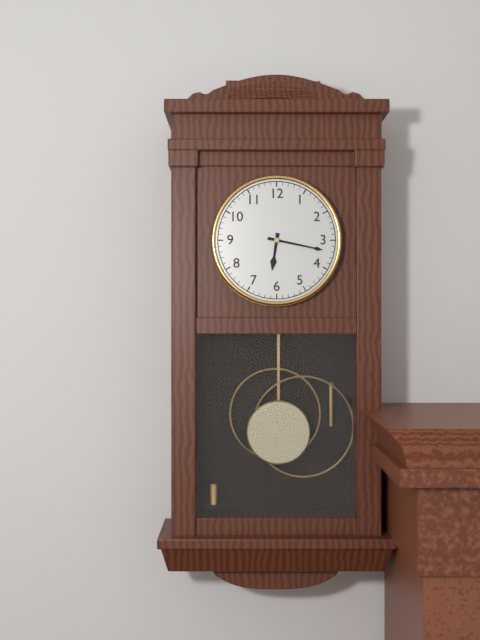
6:17
